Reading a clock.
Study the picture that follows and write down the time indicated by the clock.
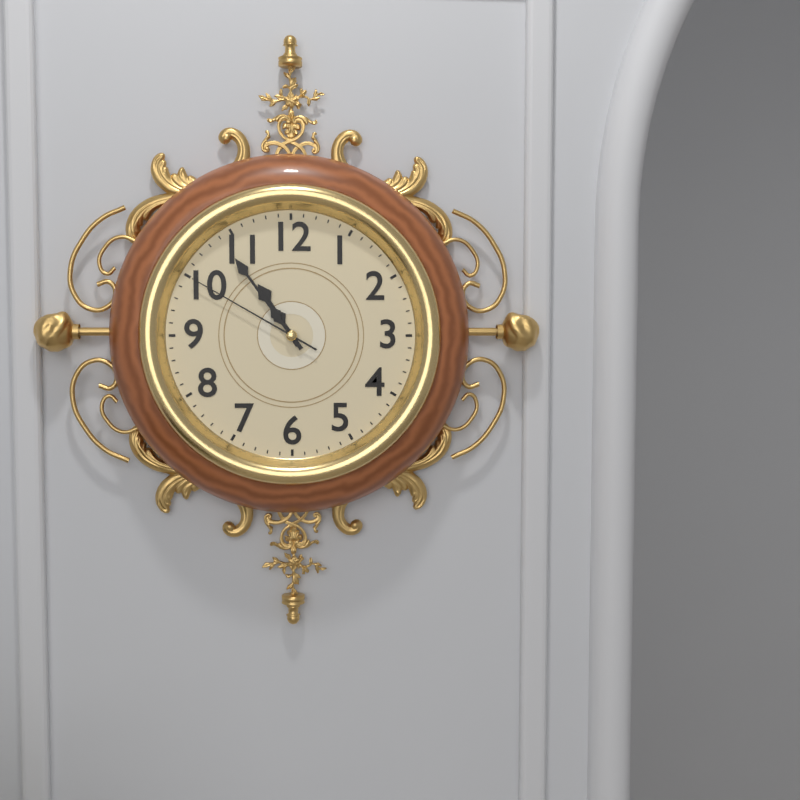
10:54:50
